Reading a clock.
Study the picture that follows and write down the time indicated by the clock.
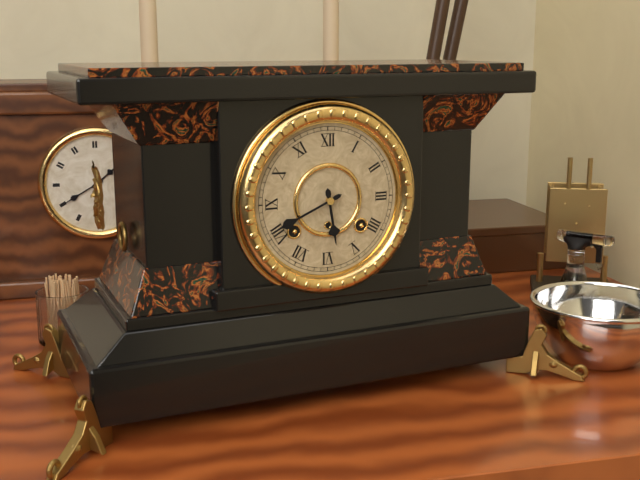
5:41
